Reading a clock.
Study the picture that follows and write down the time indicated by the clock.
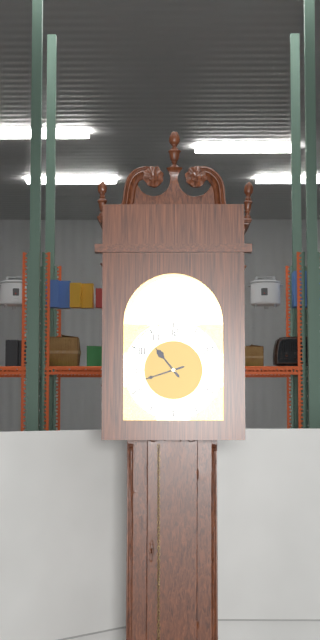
10:42
